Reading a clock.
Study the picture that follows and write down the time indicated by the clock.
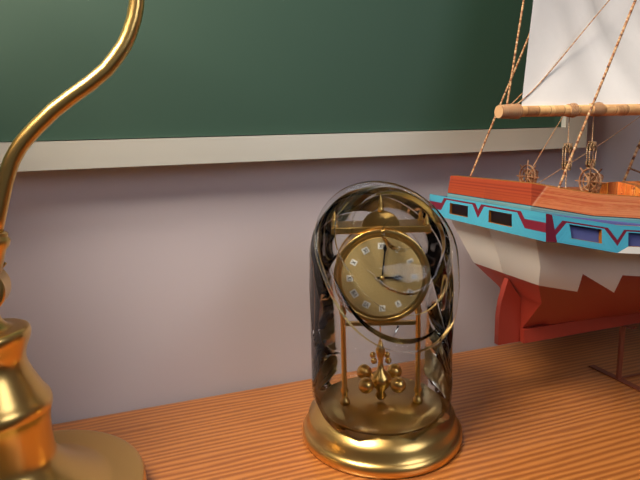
3:01
